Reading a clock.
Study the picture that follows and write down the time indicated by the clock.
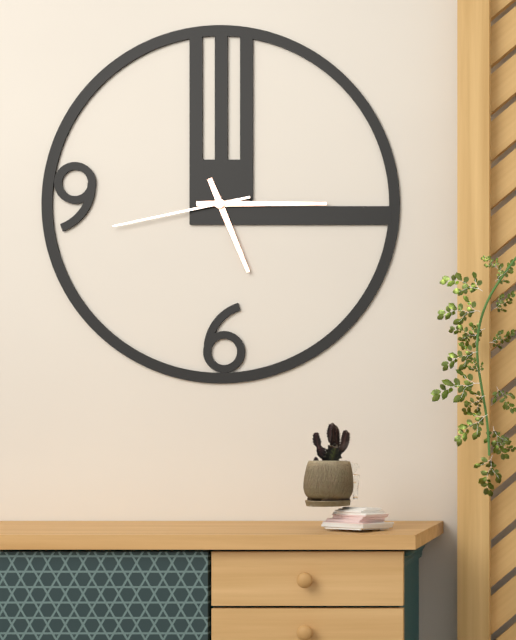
5:15:43
